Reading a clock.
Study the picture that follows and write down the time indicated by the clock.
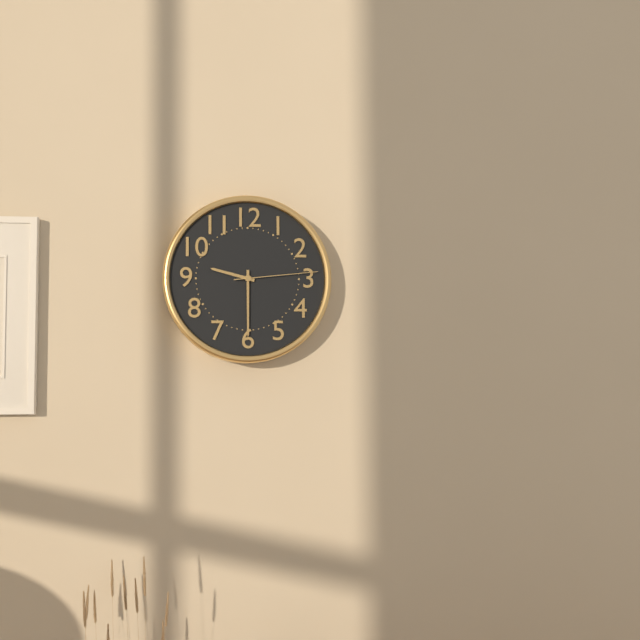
9:30:14
